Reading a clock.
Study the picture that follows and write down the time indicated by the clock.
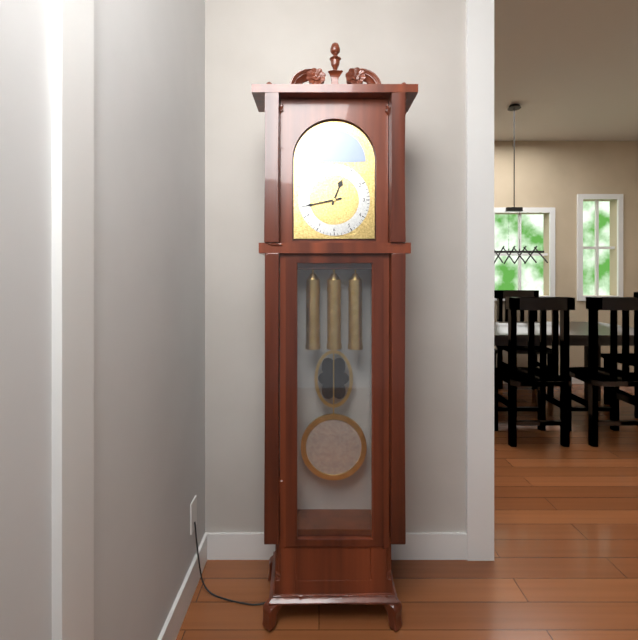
12:43
